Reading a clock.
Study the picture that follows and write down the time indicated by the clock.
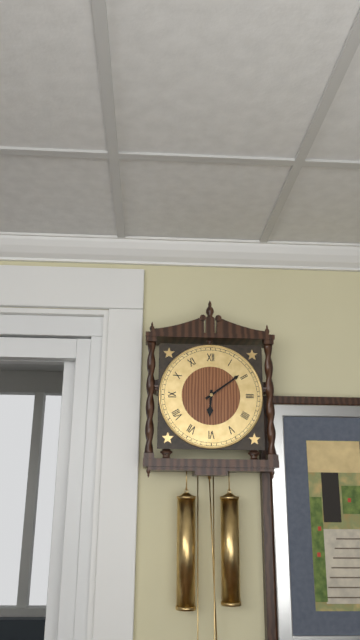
6:09
